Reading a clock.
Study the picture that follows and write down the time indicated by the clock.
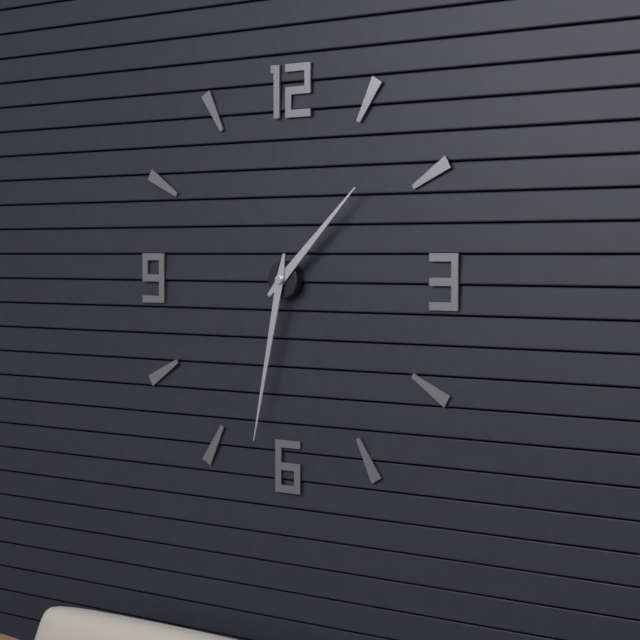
1:32
